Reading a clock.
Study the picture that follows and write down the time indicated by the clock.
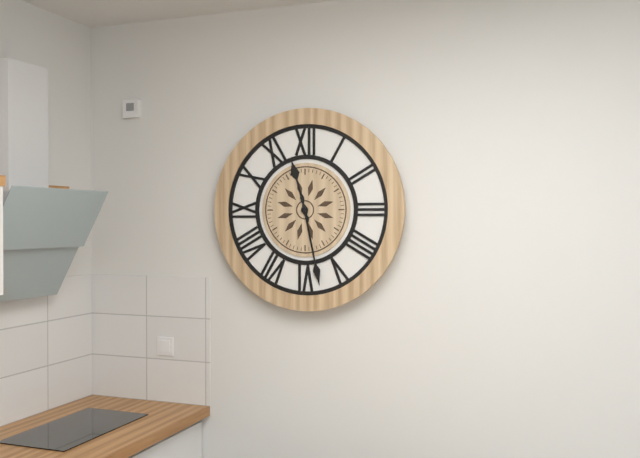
11:28
